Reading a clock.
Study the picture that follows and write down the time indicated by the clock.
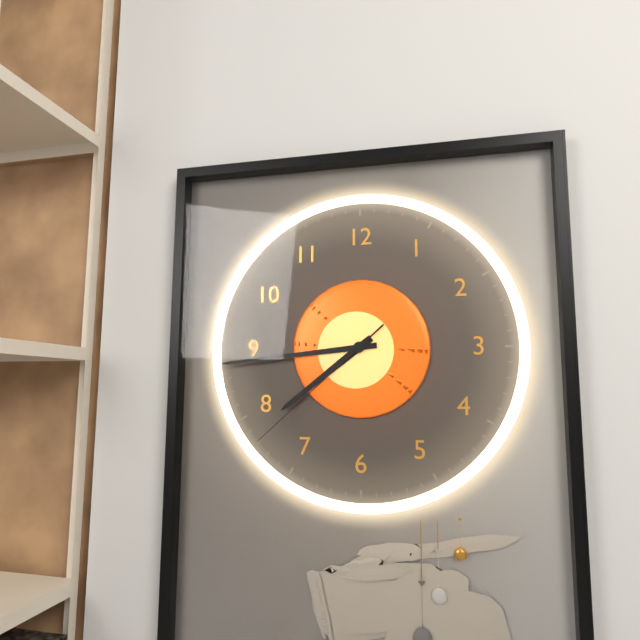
7:44:38
